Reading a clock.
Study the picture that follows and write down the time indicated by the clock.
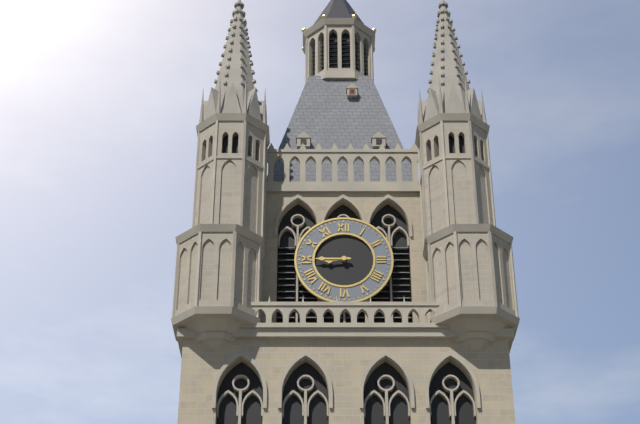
8:45
